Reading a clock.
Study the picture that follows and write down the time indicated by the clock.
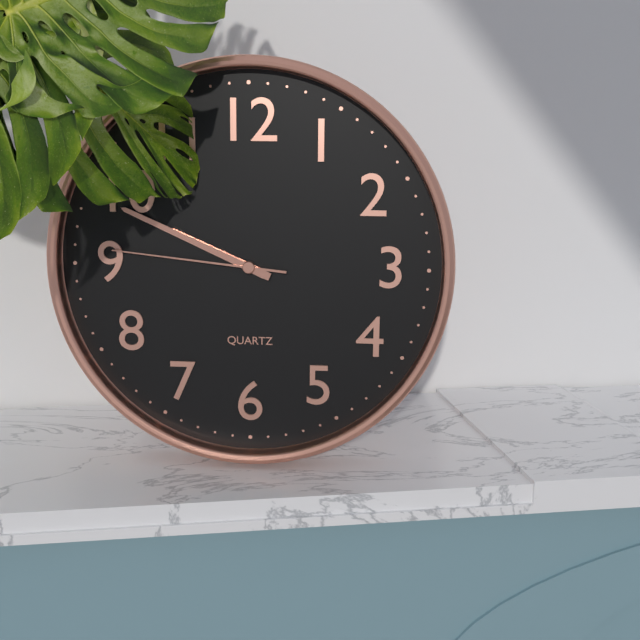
9:49:46
